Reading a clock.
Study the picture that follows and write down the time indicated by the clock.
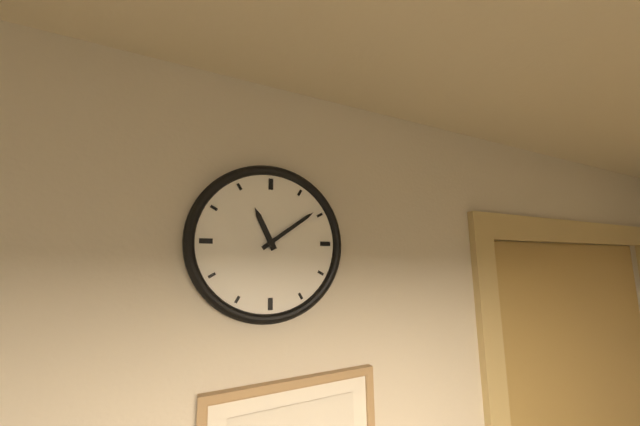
11:09
